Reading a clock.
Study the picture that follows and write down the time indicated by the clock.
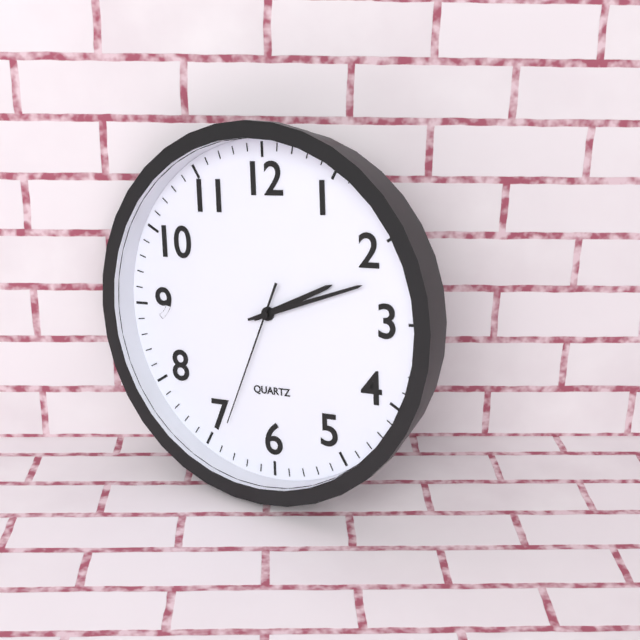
2:12:34
